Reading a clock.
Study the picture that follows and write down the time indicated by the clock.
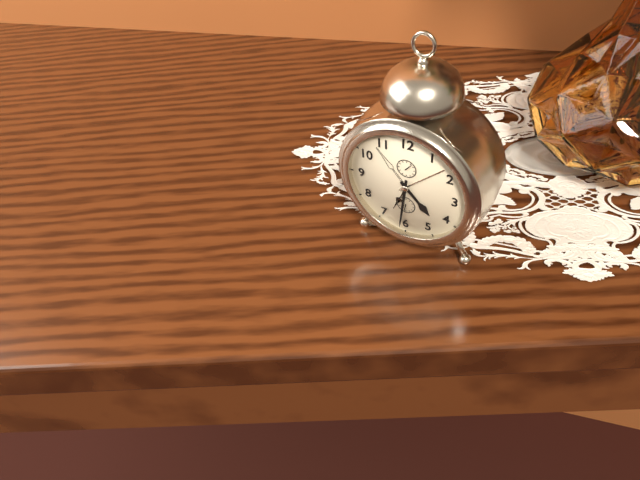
4:31
